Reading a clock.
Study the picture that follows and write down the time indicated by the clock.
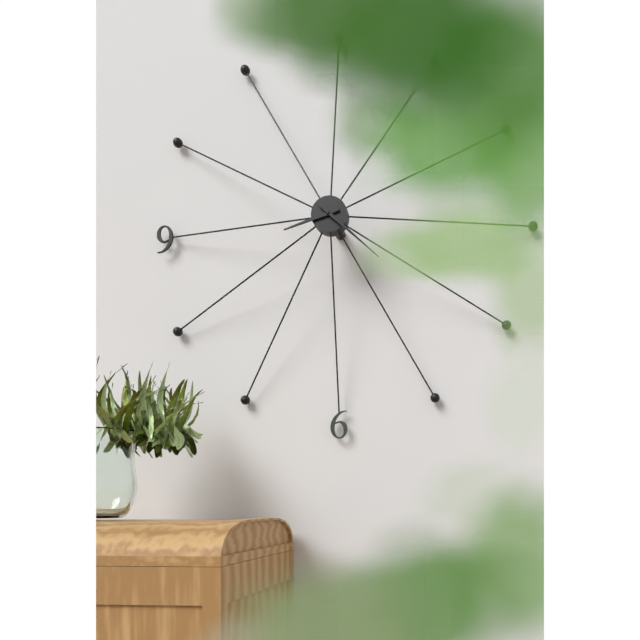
8:22
